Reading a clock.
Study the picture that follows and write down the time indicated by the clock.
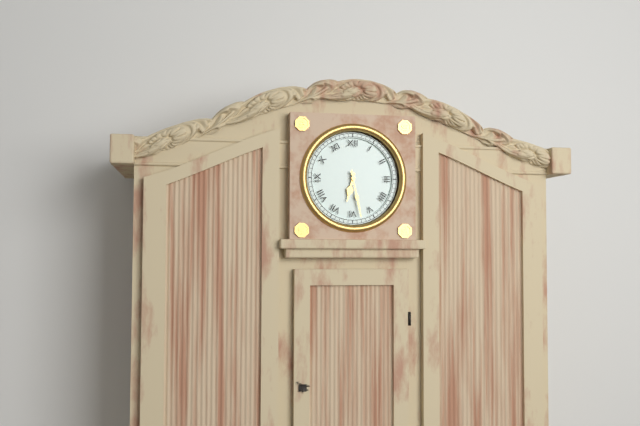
6:28
